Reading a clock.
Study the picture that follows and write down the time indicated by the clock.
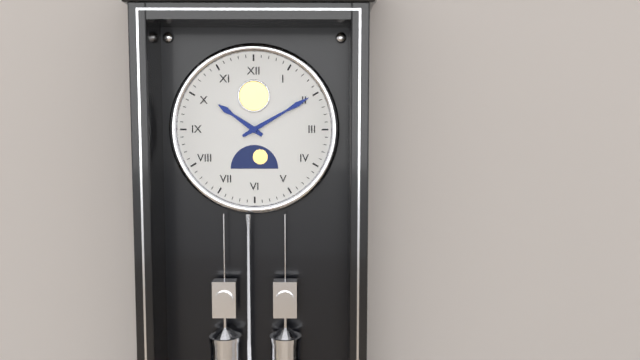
10:10
